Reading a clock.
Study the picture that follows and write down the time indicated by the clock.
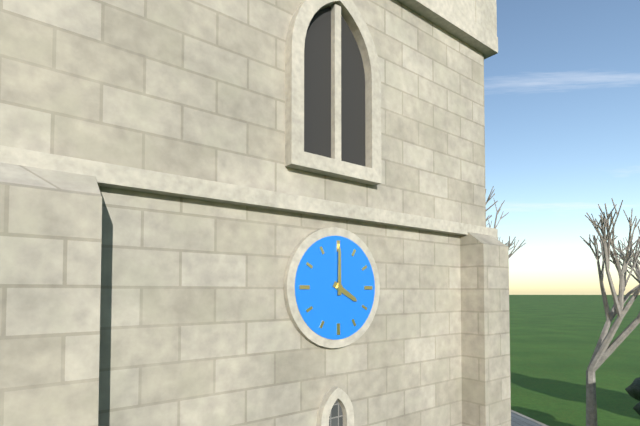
4:00
